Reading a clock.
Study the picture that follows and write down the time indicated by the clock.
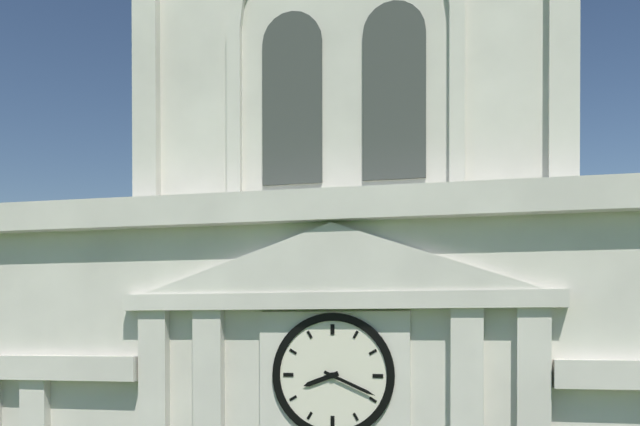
8:19
